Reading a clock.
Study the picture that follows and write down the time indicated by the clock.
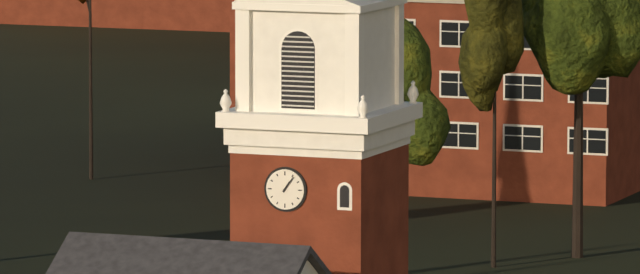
1:06
